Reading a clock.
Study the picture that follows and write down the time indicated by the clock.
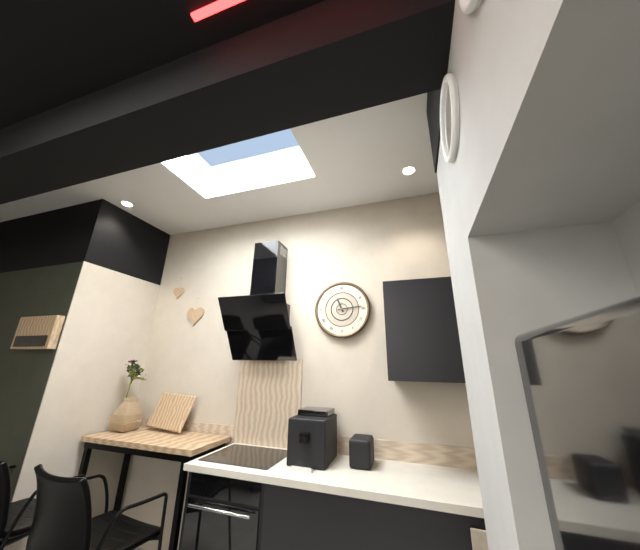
11:14
